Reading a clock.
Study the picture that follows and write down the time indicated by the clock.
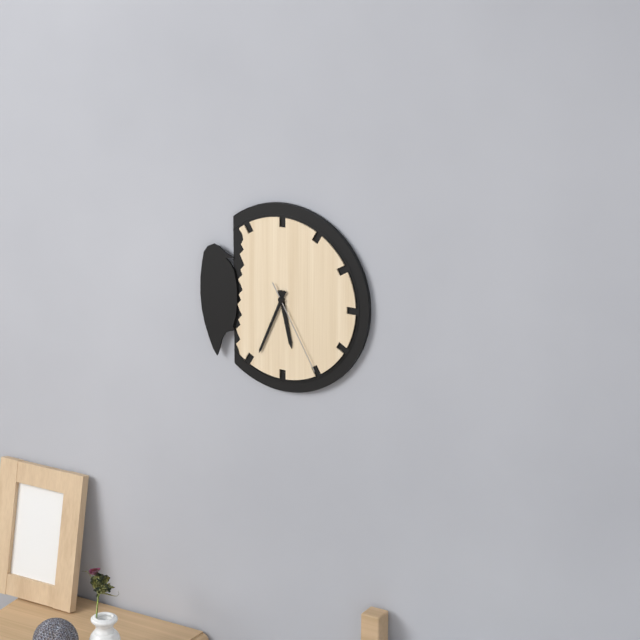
5:34:25
